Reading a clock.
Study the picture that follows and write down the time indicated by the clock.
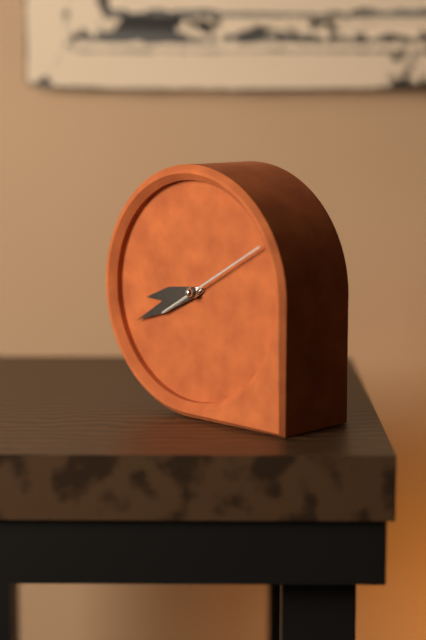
8:41:10
